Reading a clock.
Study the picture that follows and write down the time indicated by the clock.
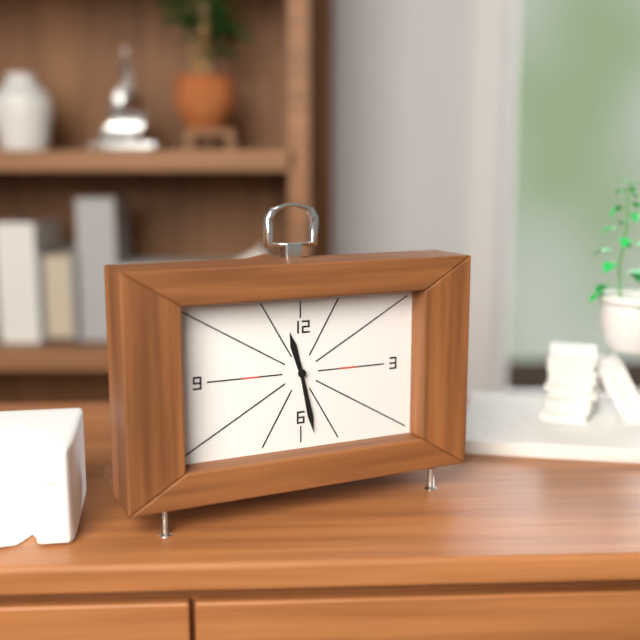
11:28
